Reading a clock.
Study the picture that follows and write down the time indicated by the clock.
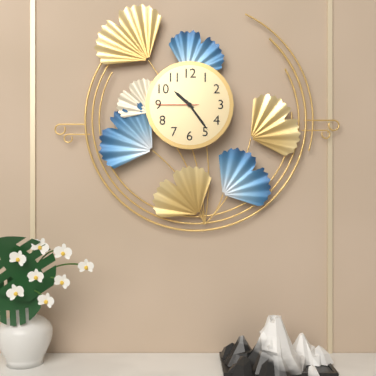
10:24
